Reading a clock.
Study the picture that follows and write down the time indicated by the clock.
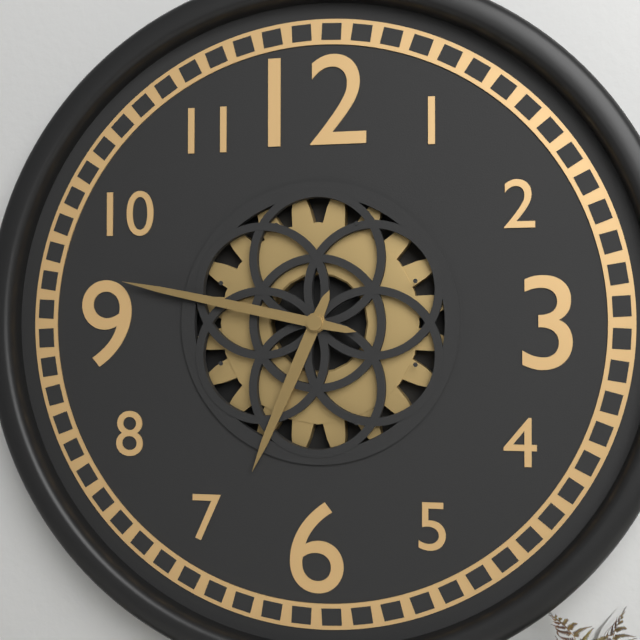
6:47
